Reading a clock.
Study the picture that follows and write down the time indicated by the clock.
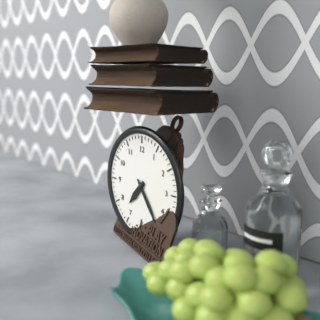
7:24
